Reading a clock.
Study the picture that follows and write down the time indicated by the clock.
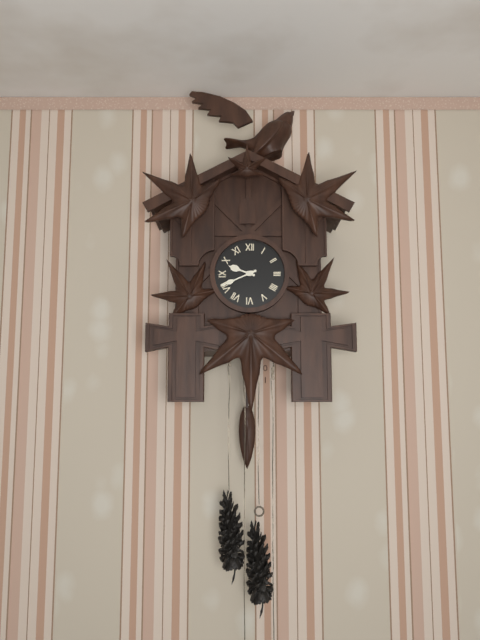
9:41
